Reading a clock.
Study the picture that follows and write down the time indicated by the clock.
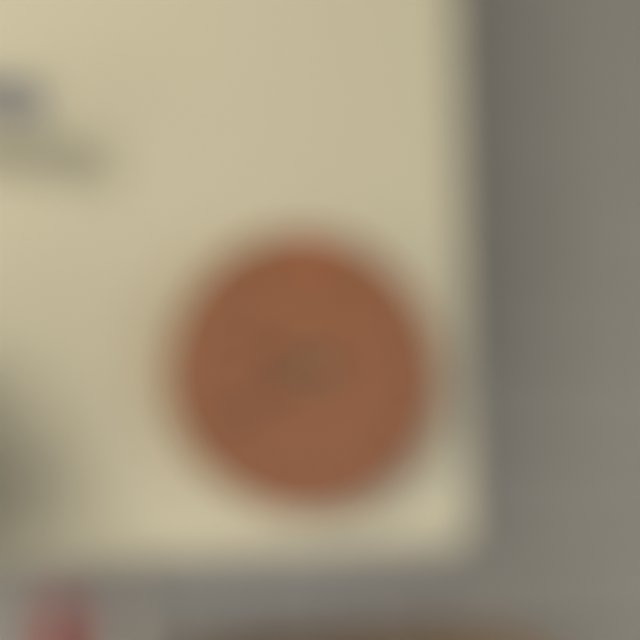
9:40
